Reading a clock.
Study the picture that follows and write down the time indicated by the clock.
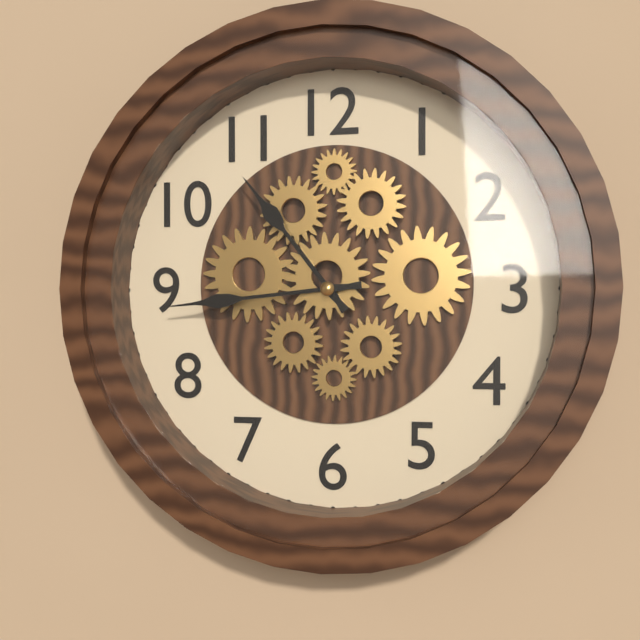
10:44
